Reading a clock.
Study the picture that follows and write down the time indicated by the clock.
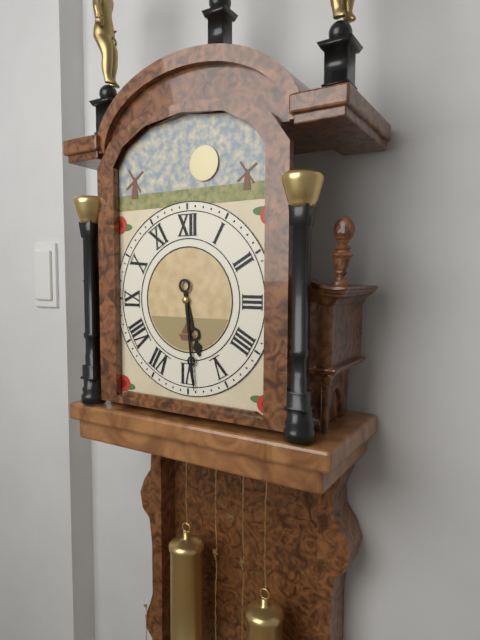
5:29
